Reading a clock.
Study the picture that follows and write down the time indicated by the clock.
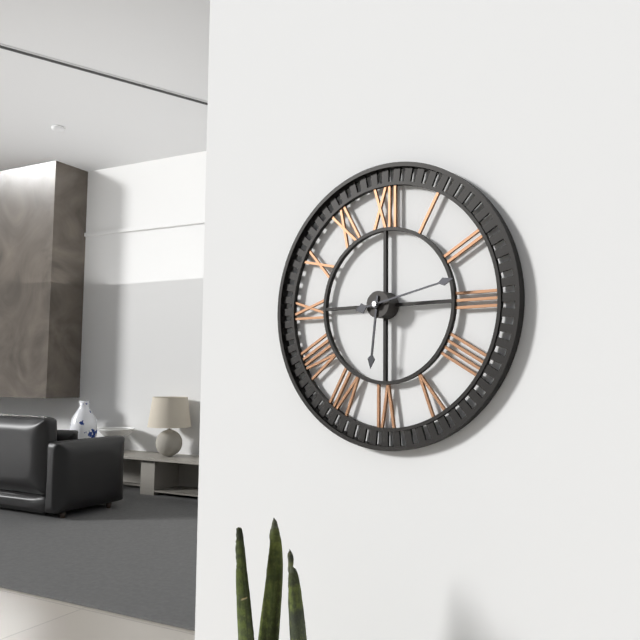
6:13
